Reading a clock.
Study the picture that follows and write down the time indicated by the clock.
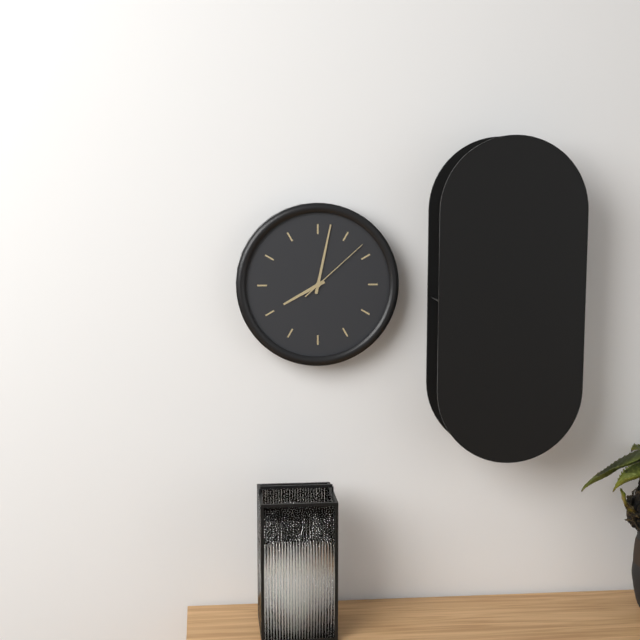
8:02:08
